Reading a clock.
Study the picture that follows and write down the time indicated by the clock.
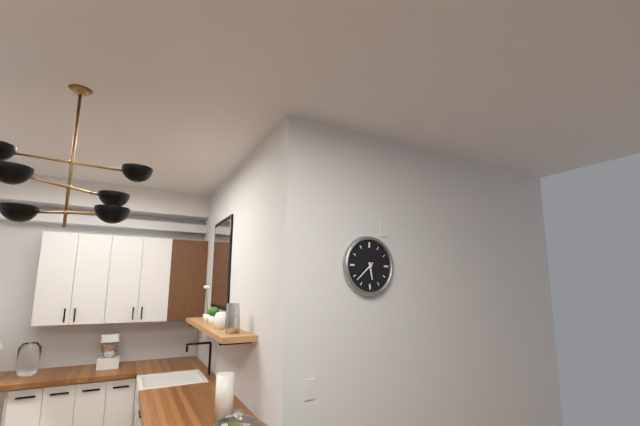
5:38
